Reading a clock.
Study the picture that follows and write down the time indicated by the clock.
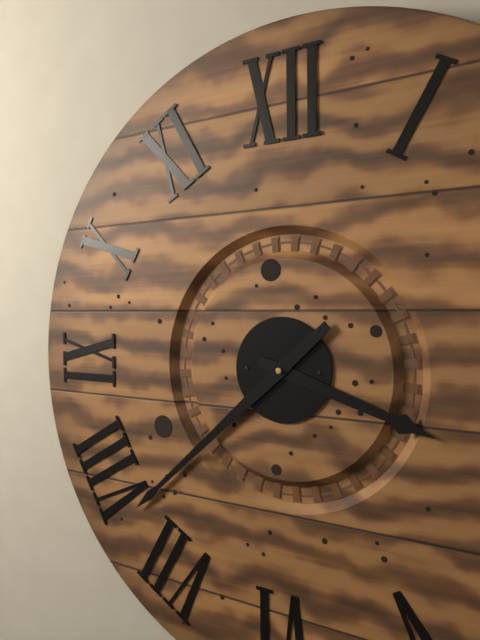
3:38
